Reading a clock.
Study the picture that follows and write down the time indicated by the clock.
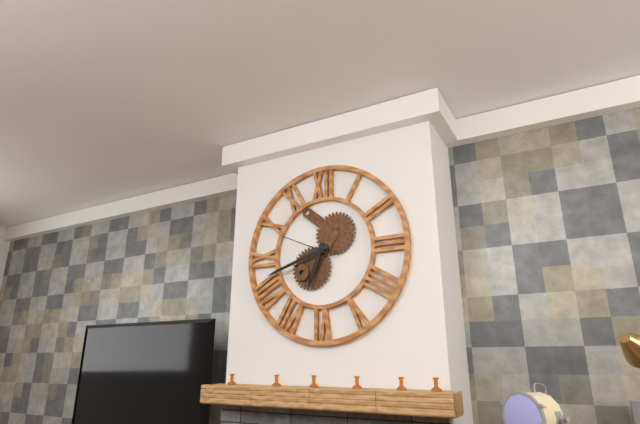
6:42:49
